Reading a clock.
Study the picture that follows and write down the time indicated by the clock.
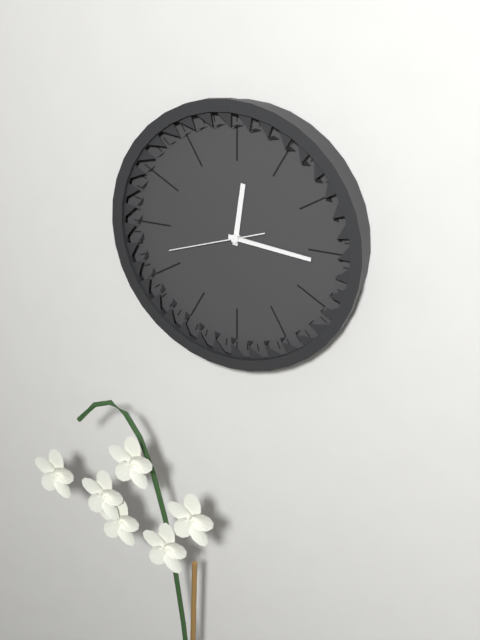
12:16:42
